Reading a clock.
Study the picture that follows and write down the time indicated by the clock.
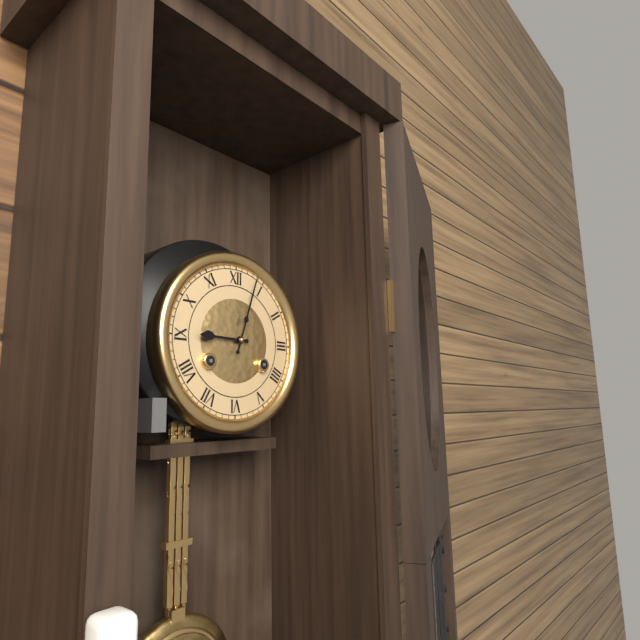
9:03
